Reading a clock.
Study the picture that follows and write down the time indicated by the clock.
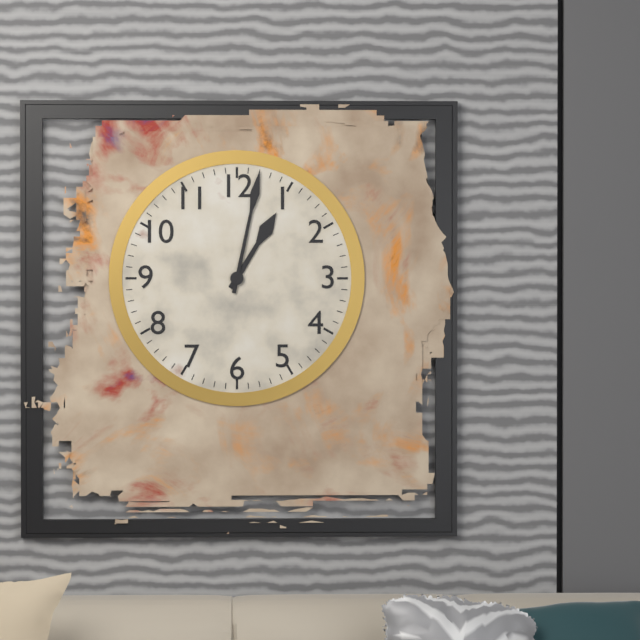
1:02
